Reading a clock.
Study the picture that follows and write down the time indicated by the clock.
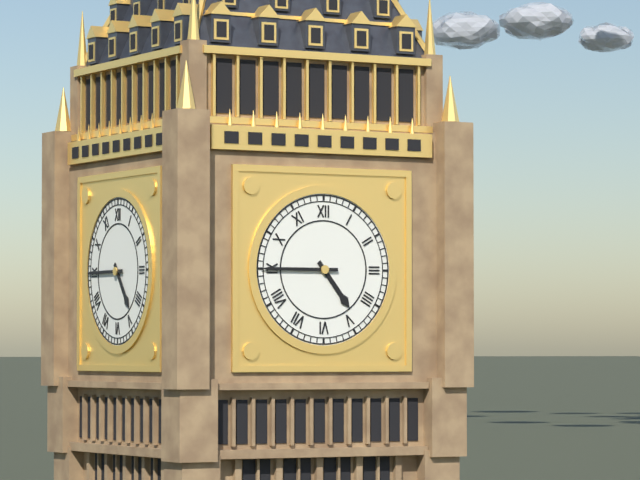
4:45
